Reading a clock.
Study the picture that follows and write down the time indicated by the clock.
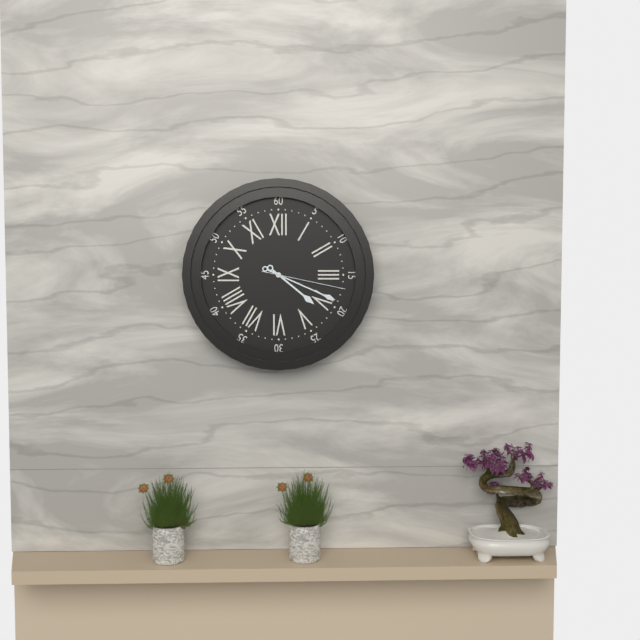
4:19:17
